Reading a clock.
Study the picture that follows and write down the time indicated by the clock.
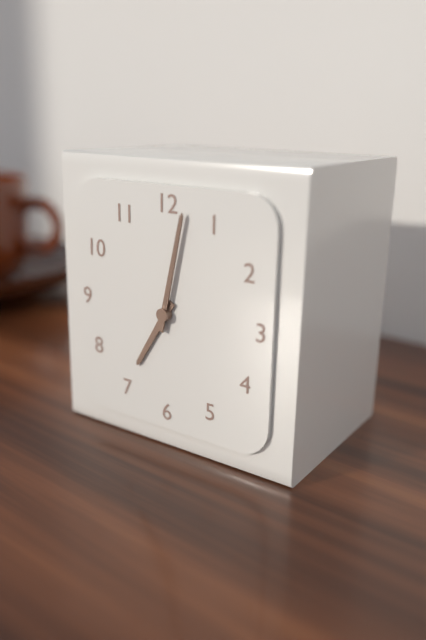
7:02
